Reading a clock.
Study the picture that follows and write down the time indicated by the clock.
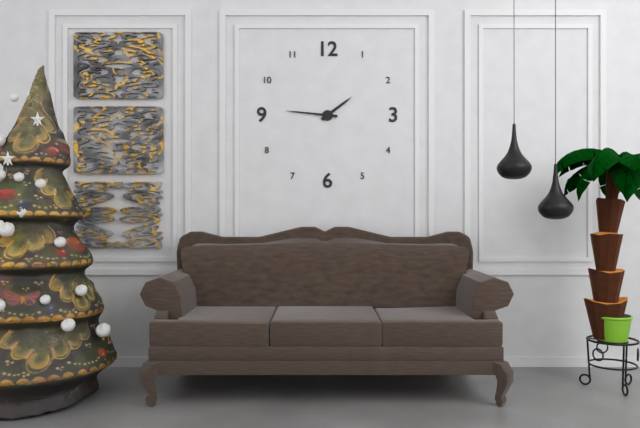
1:46
